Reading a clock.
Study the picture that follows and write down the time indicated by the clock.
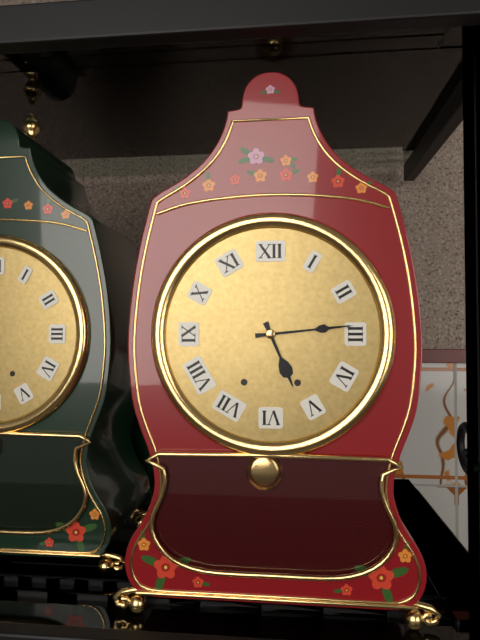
5:14
